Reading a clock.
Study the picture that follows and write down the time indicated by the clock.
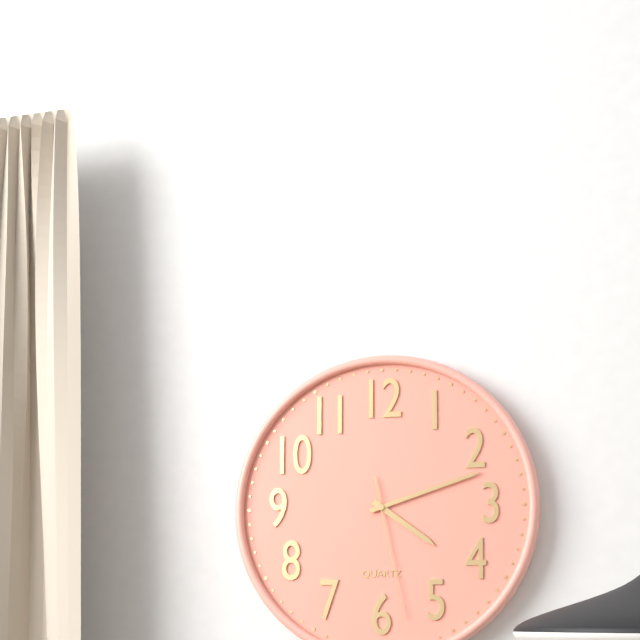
4:12:28
